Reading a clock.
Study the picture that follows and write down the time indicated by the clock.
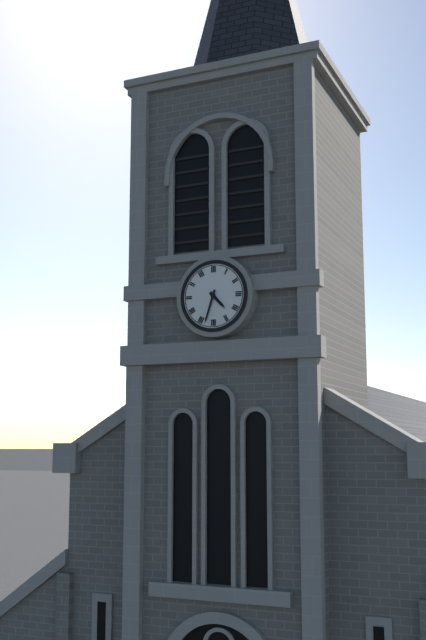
4:33
